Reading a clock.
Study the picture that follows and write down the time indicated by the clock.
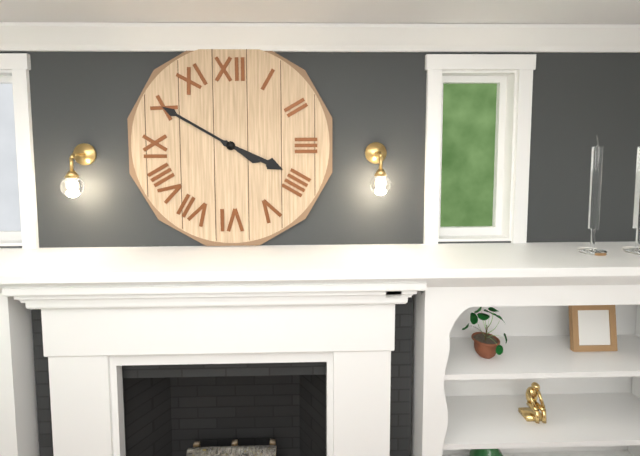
3:50
